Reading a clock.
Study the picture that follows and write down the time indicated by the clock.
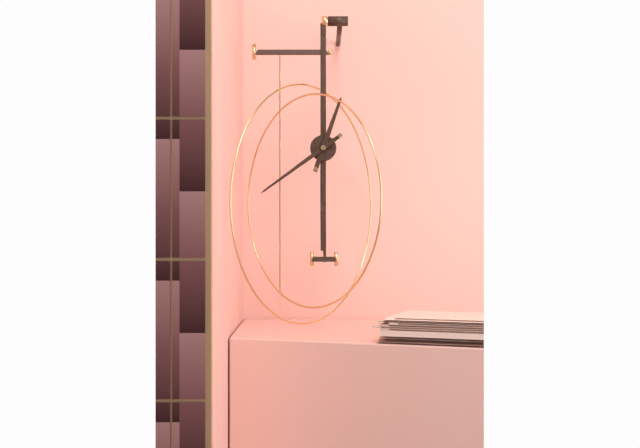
12:39
